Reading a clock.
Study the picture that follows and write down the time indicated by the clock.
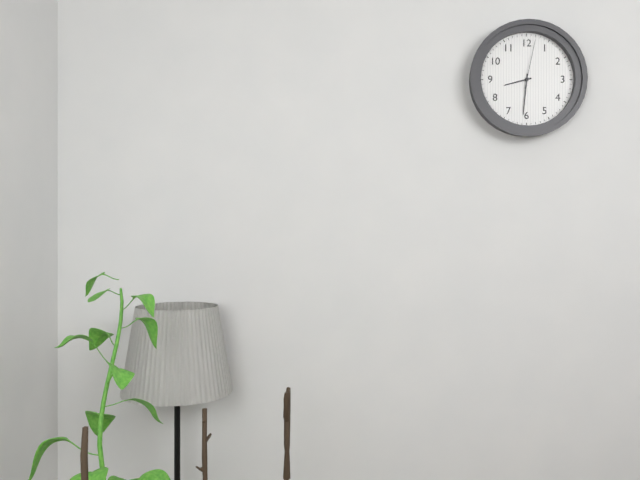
8:31:02
